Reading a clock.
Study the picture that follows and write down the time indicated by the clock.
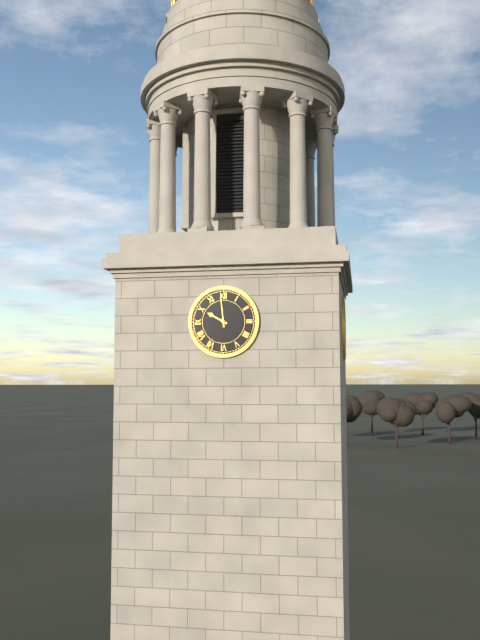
9:59
